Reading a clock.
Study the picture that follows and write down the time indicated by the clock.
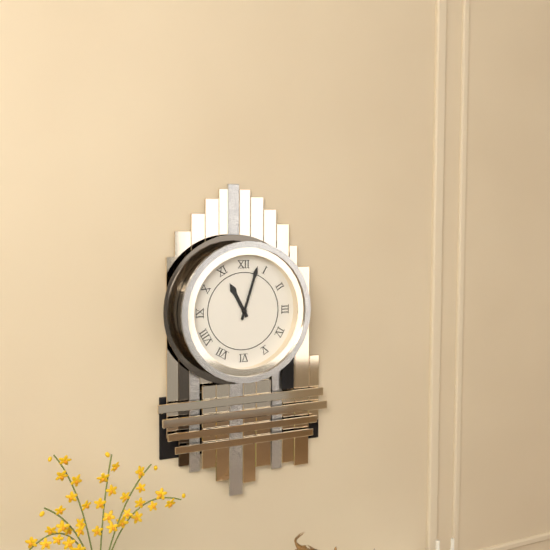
11:03
